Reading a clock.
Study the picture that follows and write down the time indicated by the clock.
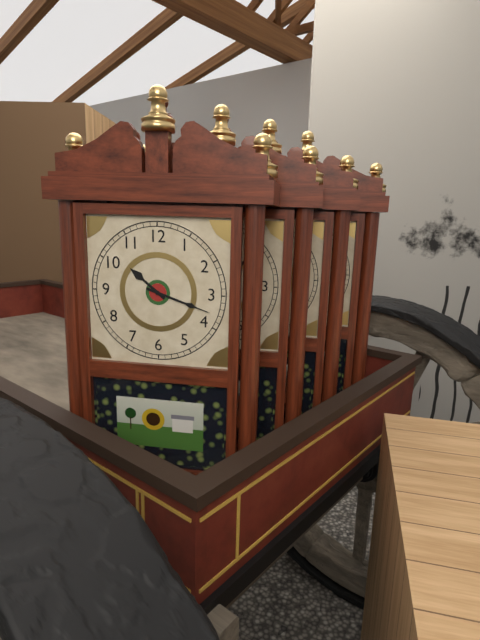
10:18
